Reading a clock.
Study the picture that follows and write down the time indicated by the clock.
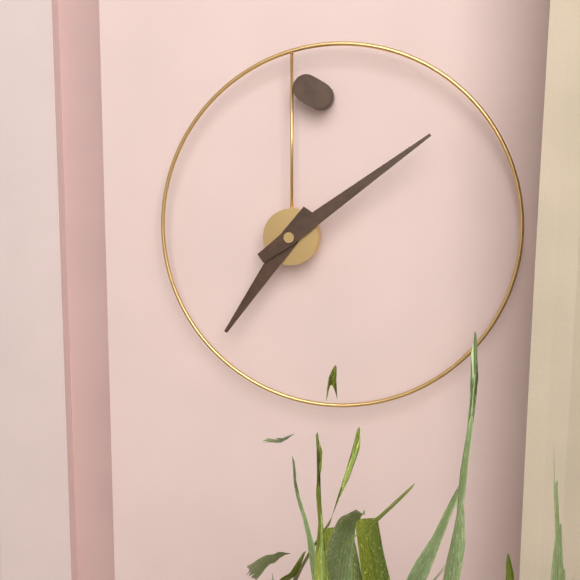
7:09
